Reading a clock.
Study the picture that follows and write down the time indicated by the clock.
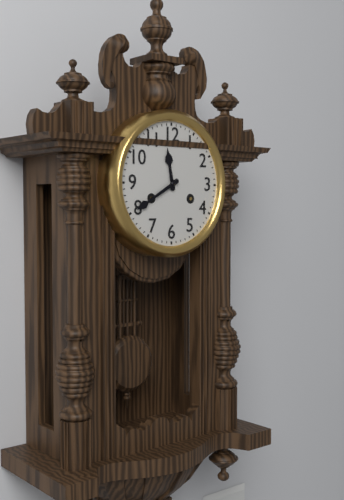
11:40
